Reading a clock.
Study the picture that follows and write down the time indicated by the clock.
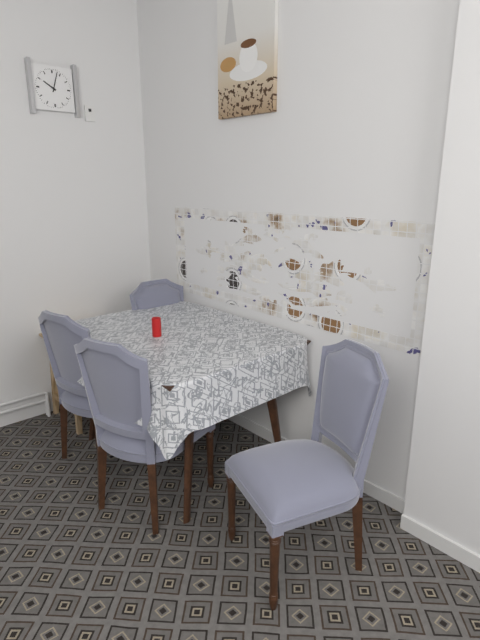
10:03
